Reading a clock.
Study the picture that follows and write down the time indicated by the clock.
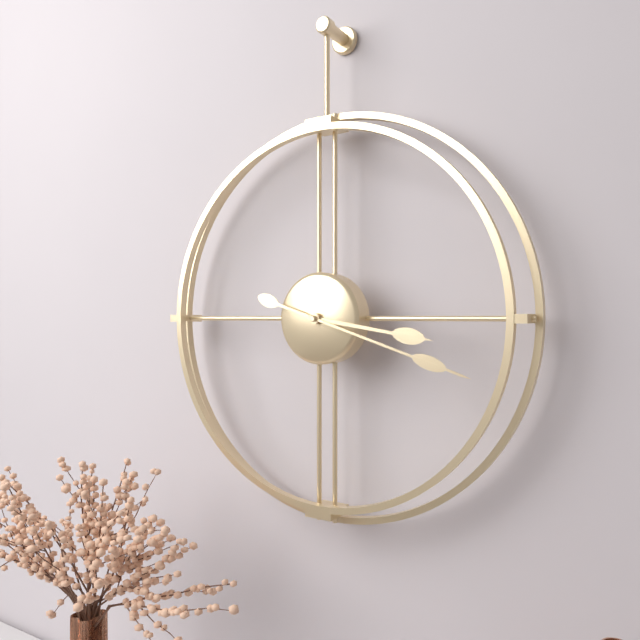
3:18
